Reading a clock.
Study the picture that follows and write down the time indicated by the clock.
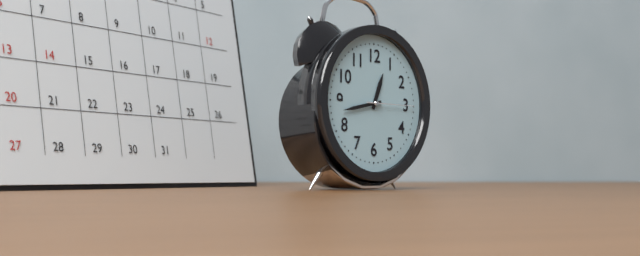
12:43:15
